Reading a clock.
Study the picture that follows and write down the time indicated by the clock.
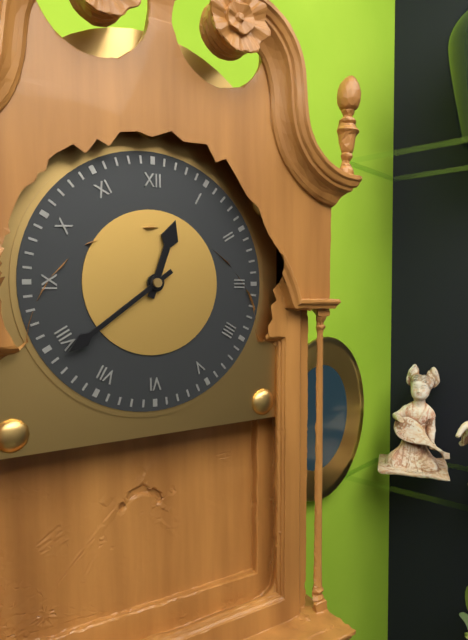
12:39
